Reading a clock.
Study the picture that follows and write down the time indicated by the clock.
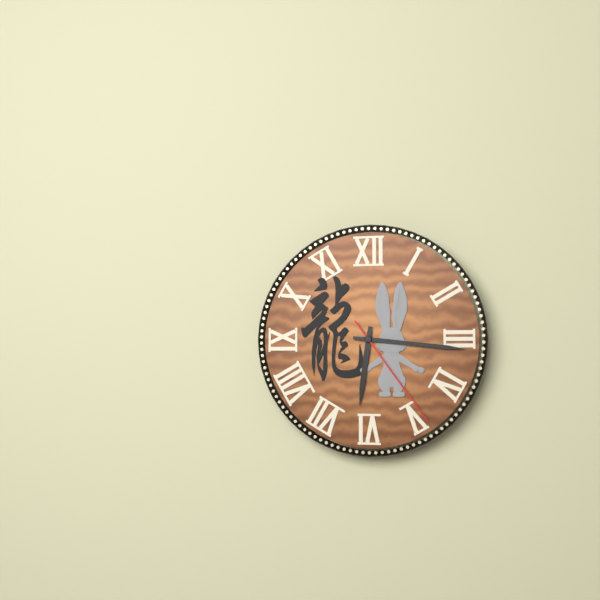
6:16:24
